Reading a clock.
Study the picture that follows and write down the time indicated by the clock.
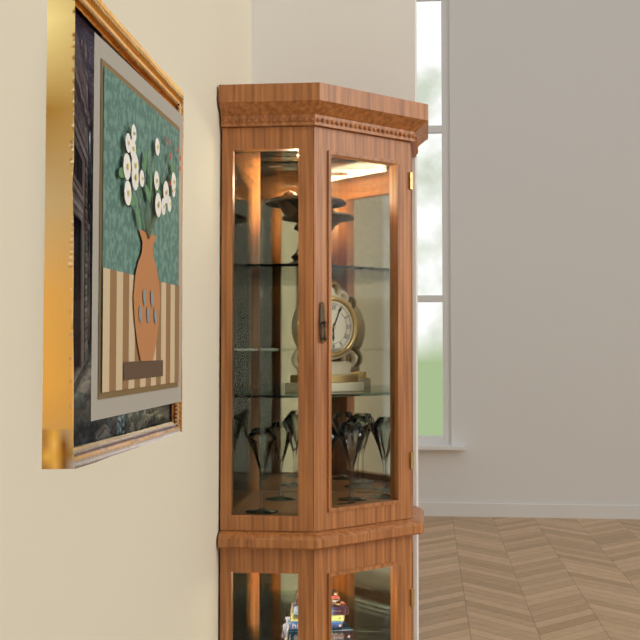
6:04
